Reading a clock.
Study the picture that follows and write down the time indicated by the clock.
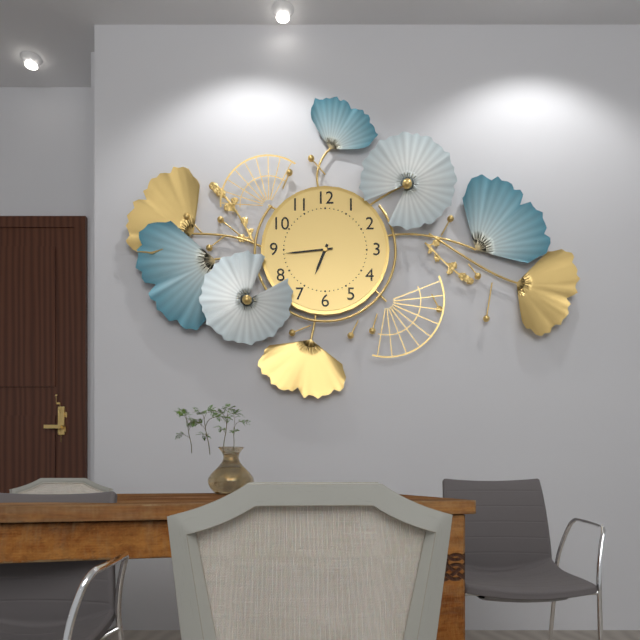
6:44
